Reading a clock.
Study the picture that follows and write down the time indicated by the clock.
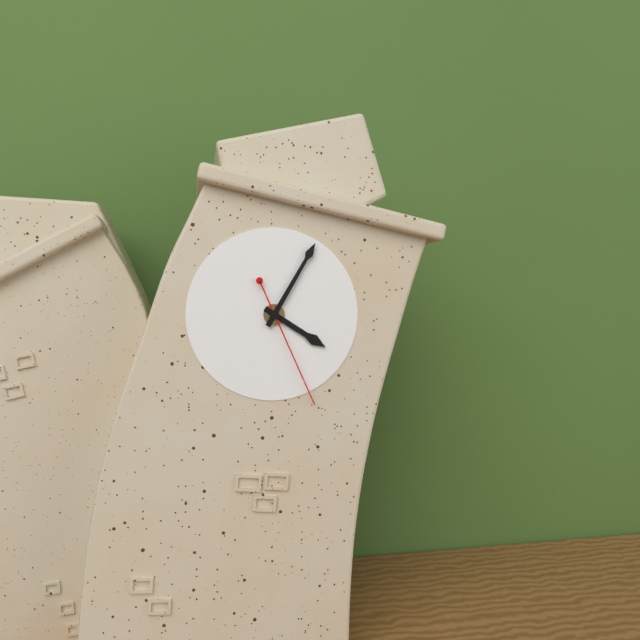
4:05:26
